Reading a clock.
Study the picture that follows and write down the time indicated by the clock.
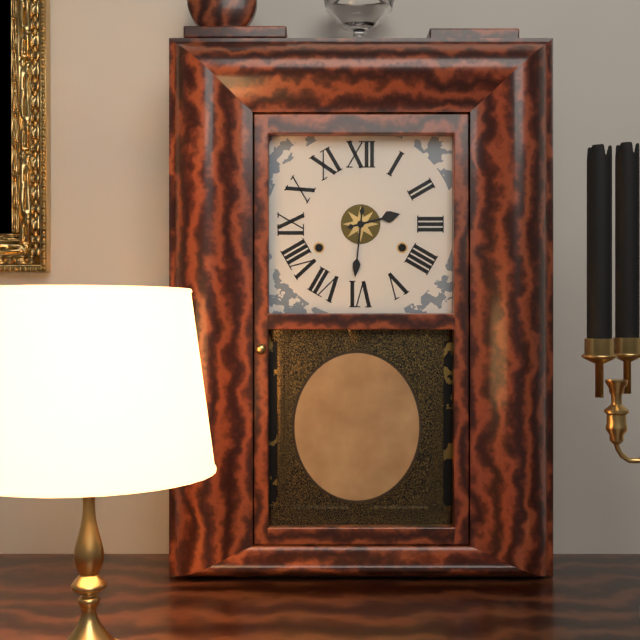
2:31
